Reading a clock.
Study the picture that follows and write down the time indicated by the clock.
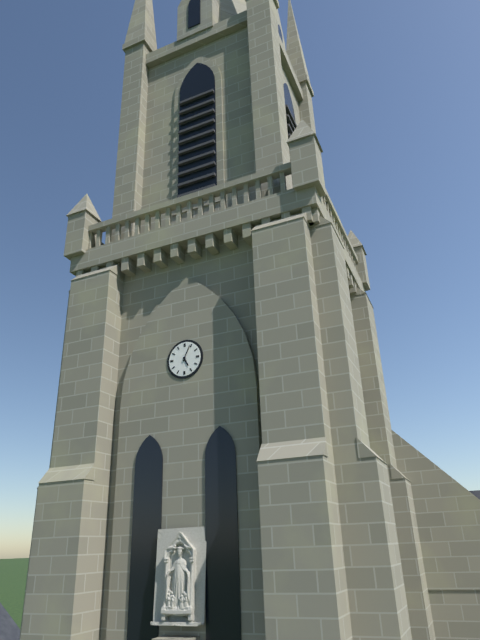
5:04
